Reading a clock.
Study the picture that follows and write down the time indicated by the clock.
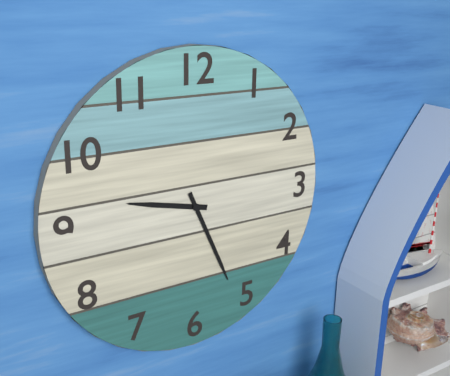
9:26
